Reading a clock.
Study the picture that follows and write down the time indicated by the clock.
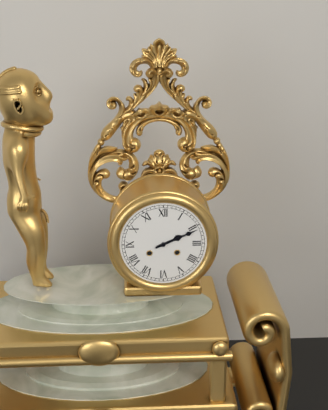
2:11
